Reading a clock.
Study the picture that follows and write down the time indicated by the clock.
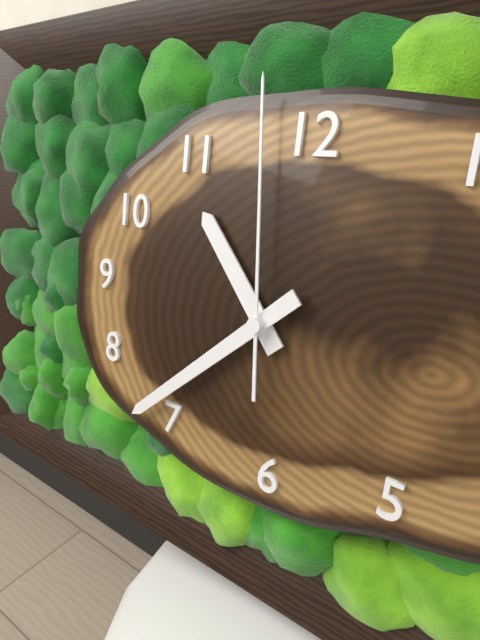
10:38:59
